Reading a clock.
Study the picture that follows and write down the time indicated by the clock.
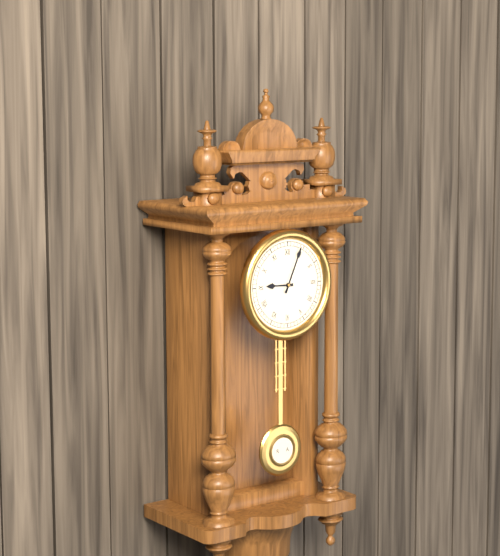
9:04
